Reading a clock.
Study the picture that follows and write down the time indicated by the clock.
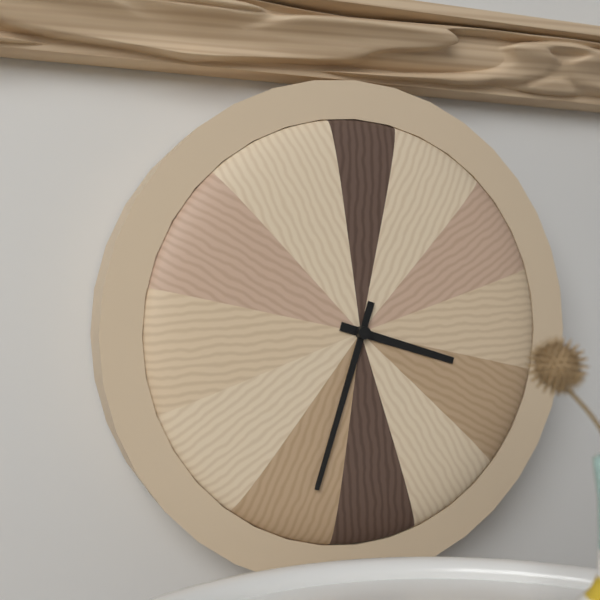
3:33
